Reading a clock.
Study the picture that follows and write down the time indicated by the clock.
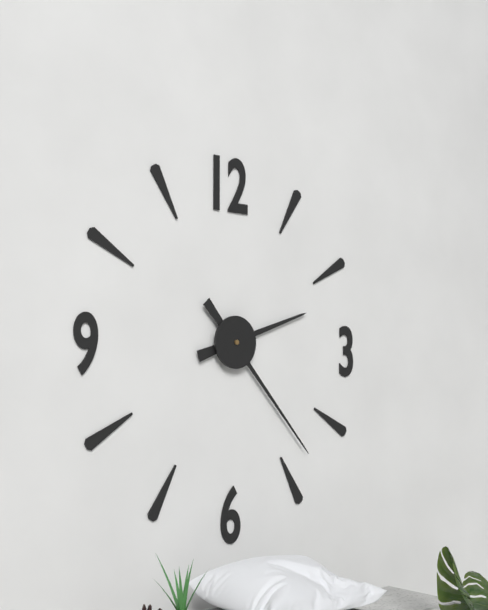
2:23
